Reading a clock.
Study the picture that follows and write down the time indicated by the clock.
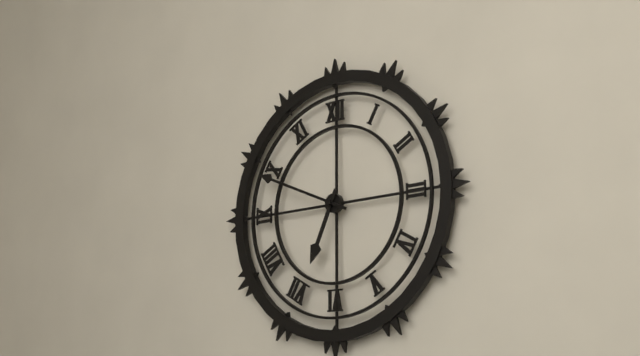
6:49
